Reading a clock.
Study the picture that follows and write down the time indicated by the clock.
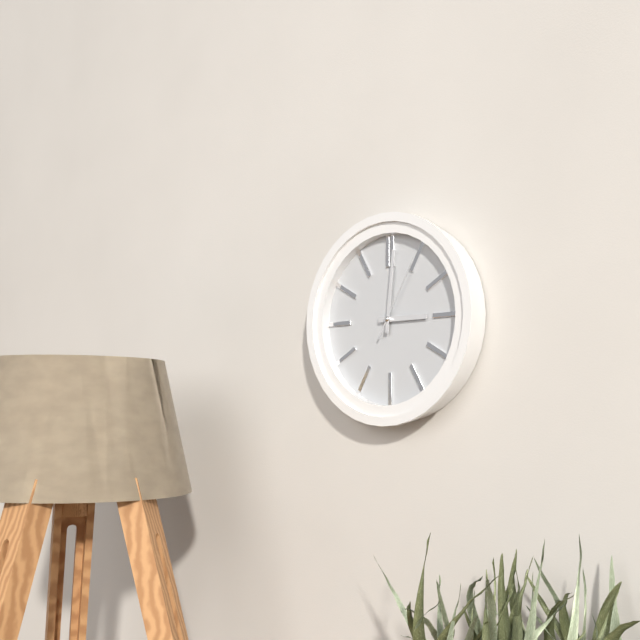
3:01:05
